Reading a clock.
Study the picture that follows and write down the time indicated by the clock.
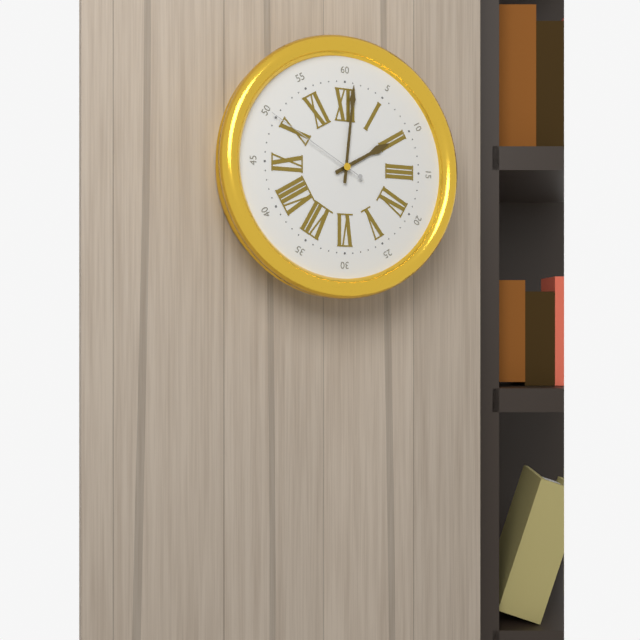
2:01:50
